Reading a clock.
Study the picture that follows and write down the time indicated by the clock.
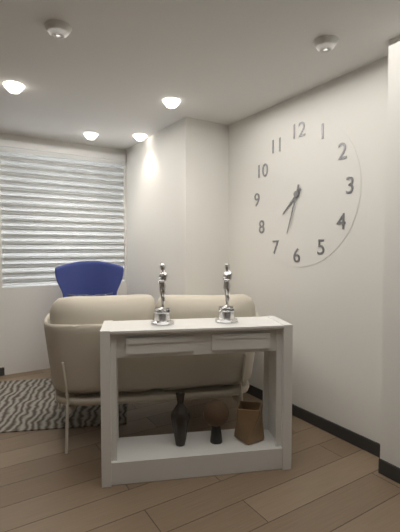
7:33
